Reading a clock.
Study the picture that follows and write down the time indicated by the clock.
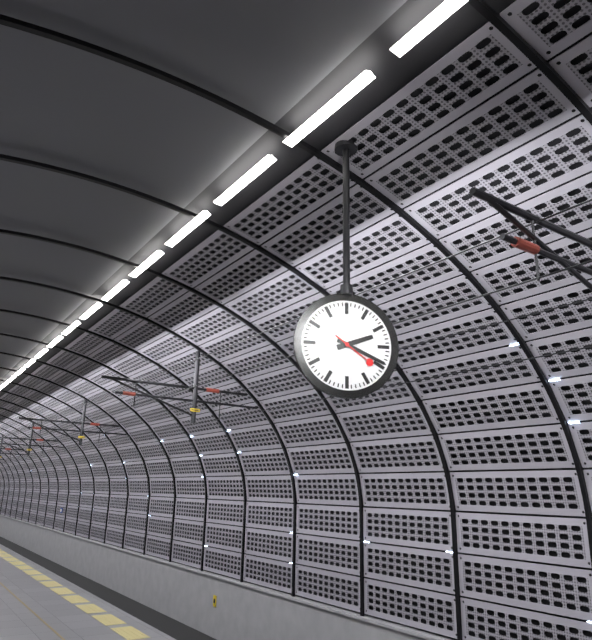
2:19
